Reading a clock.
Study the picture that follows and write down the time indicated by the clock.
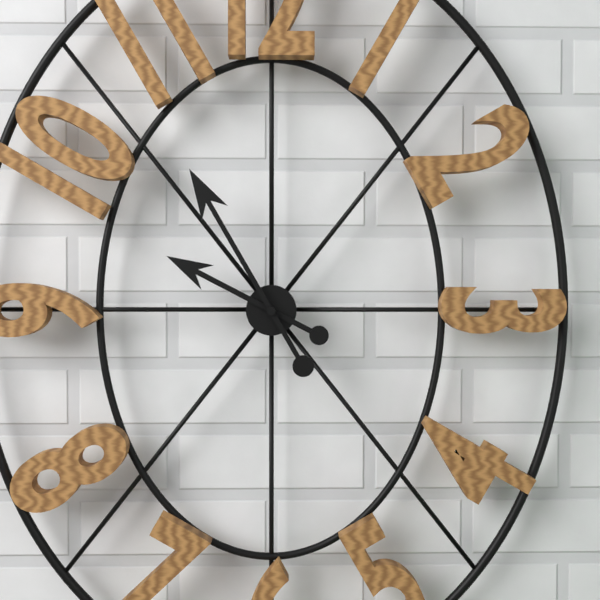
9:55
